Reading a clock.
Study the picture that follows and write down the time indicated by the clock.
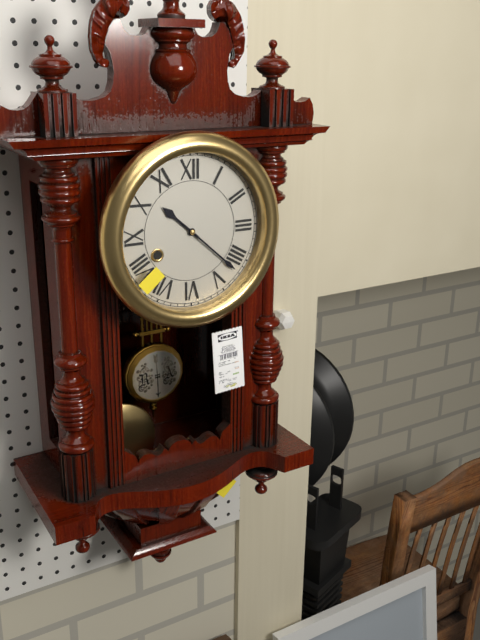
10:22
